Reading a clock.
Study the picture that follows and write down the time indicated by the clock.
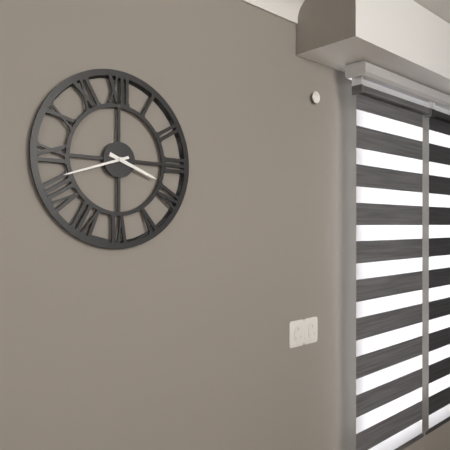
3:42
